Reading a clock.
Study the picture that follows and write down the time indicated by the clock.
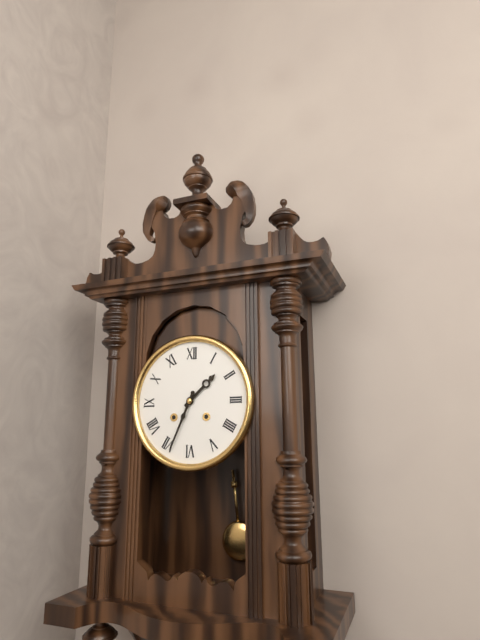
1:34
